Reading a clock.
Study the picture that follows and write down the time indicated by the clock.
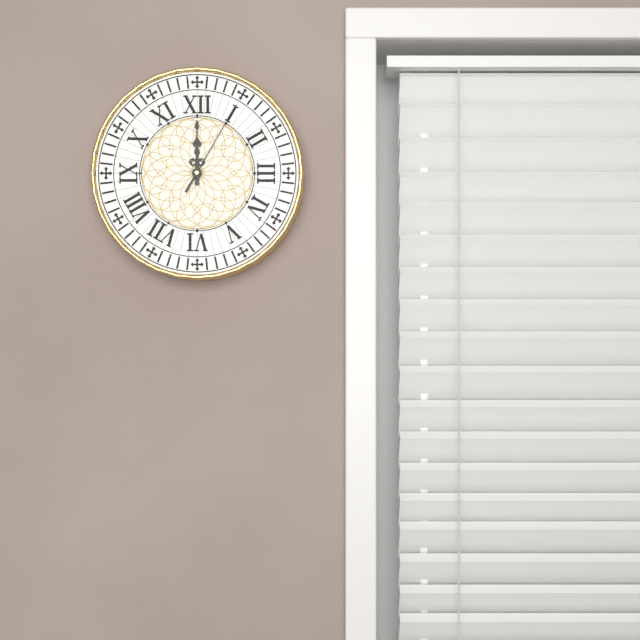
12:00:05
